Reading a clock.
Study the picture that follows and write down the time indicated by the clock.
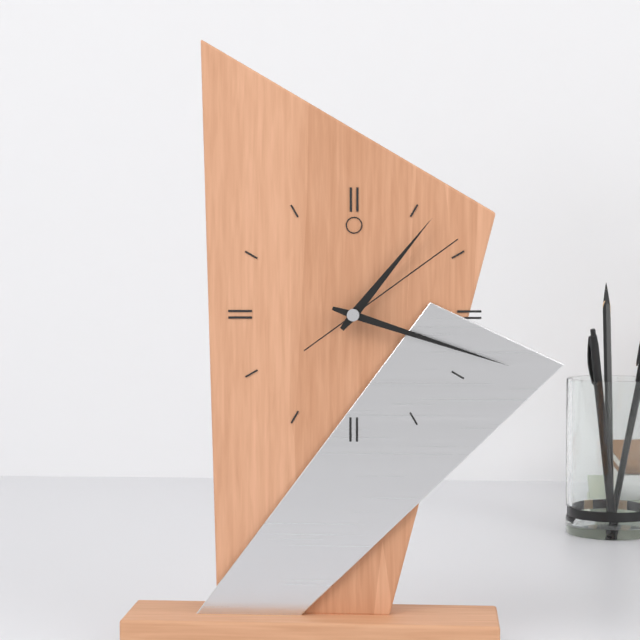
1:18:09
